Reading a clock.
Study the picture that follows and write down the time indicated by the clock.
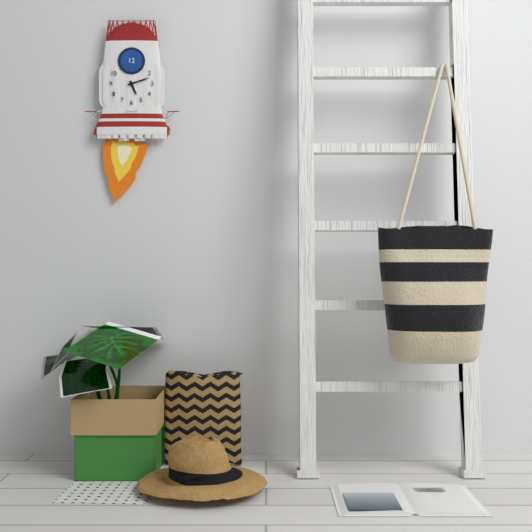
5:12
